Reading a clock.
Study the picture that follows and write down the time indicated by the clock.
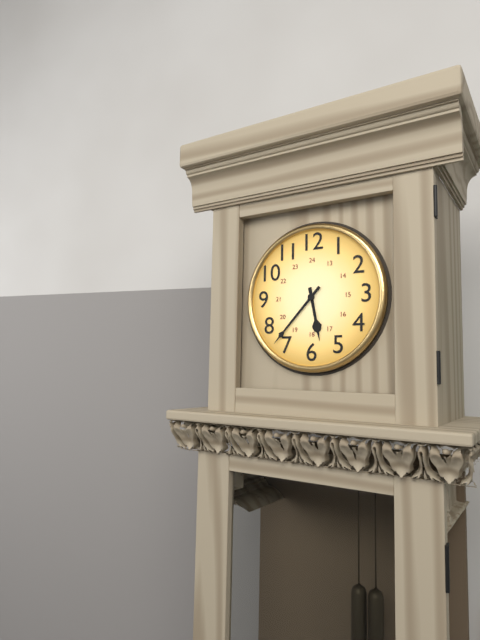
5:37
